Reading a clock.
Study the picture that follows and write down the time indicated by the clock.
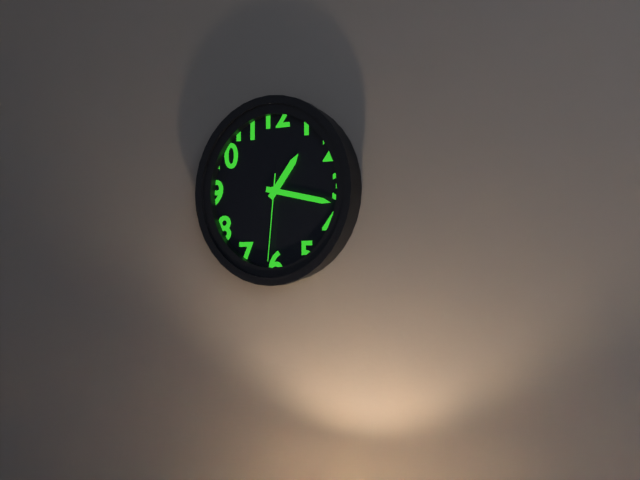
1:17:31
